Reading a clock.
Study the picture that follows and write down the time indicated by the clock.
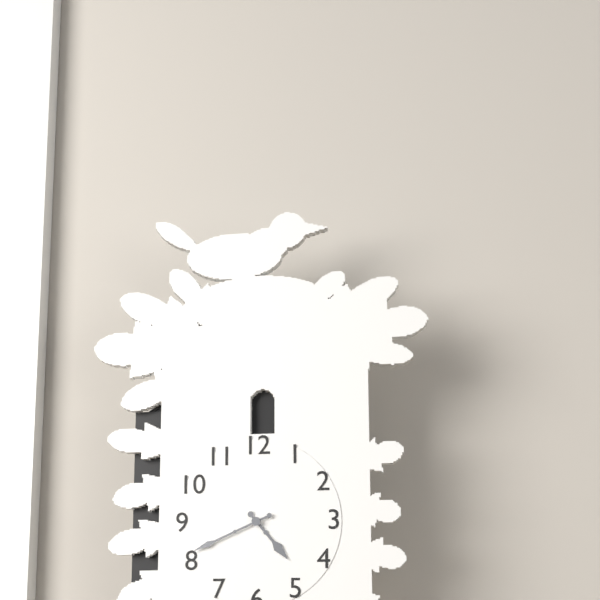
4:41
